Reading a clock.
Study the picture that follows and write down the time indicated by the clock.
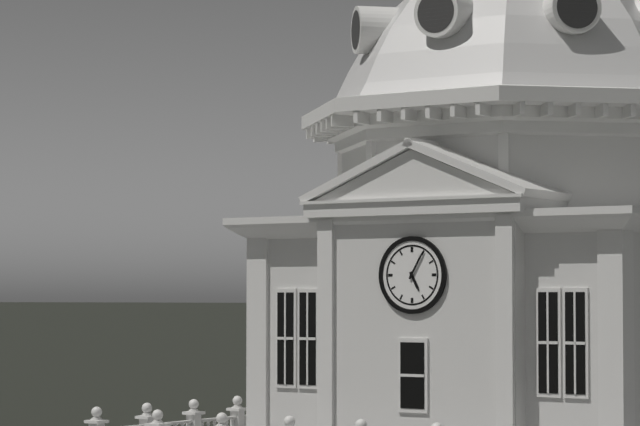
5:05
